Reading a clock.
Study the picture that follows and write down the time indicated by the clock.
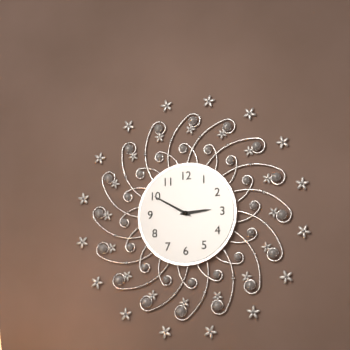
2:50
